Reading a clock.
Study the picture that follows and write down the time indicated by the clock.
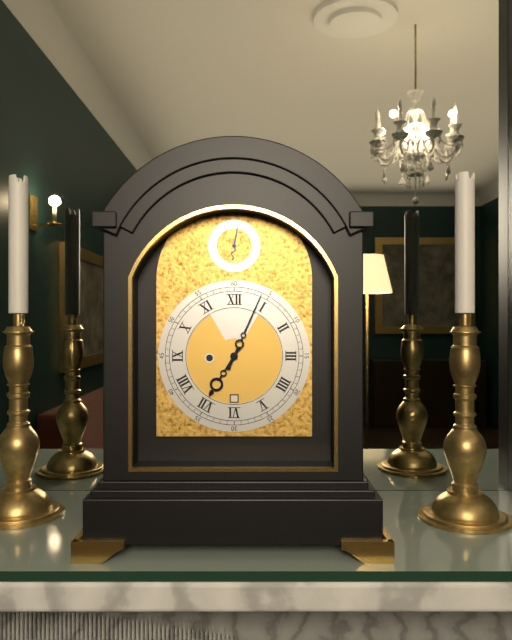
7:04
